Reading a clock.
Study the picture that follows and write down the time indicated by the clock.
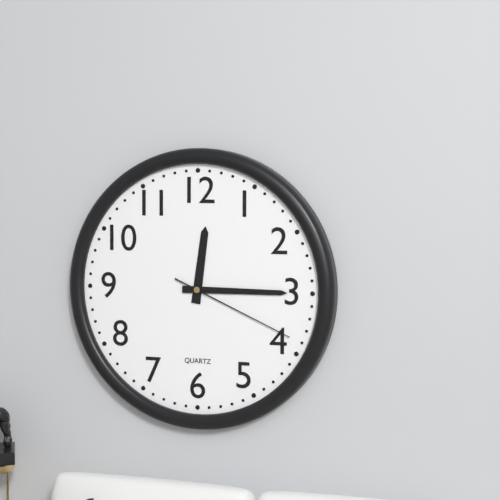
12:15:19
